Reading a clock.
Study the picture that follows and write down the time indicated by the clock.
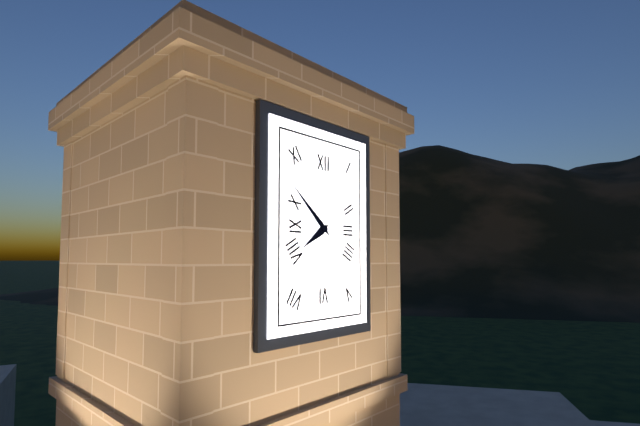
7:52
